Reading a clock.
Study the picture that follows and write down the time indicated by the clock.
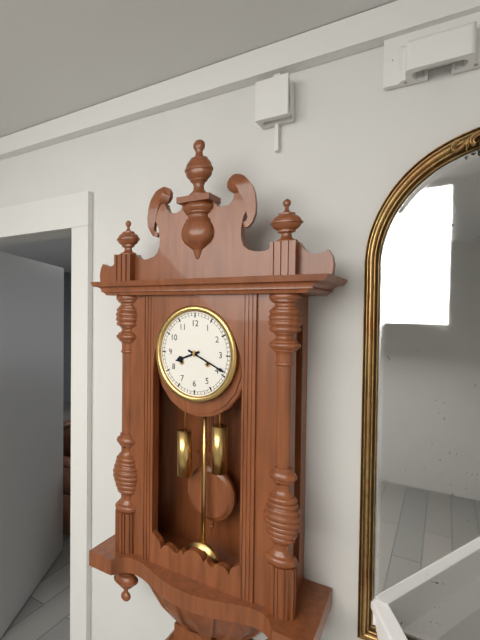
8:19
